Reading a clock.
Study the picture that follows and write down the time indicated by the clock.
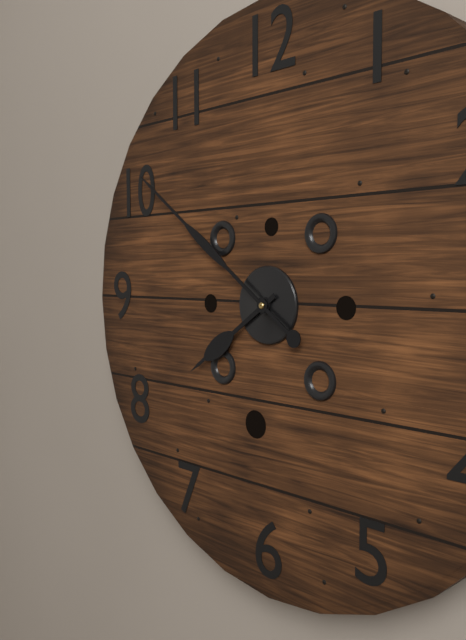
7:51
